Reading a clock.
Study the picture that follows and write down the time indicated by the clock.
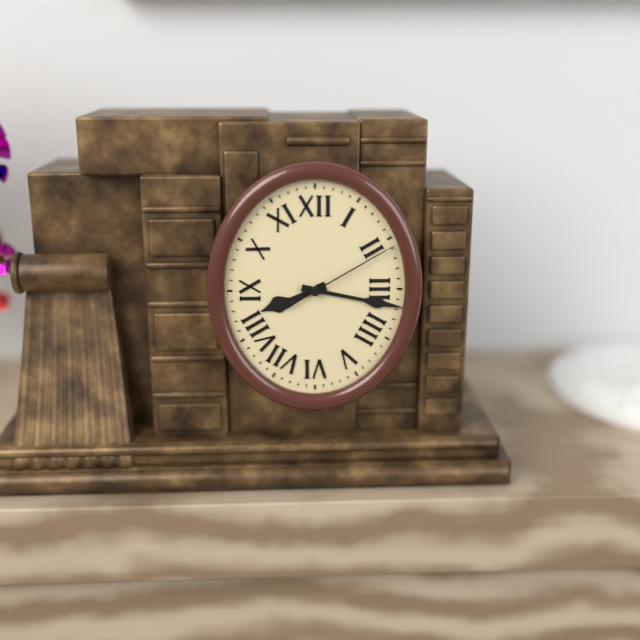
8:17:10
